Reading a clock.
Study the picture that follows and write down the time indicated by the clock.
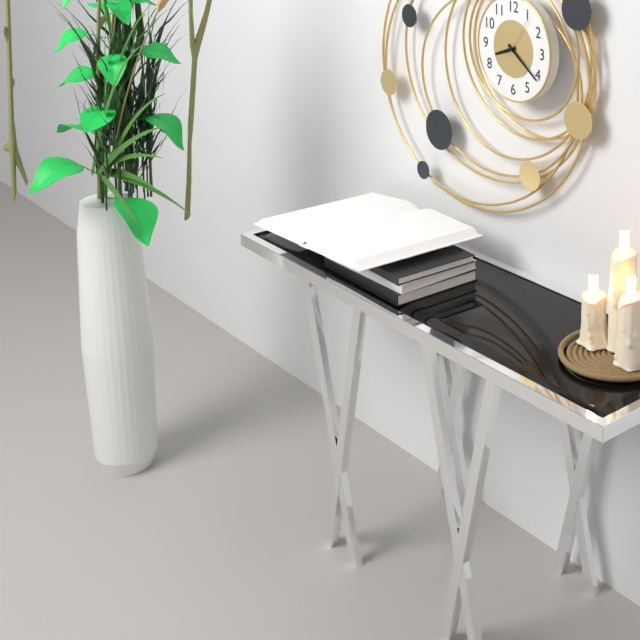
8:21
